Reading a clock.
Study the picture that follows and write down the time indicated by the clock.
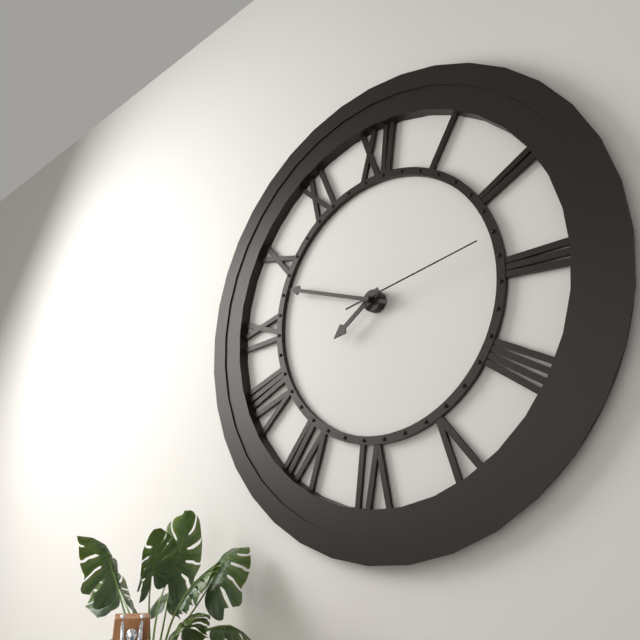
7:48:13
